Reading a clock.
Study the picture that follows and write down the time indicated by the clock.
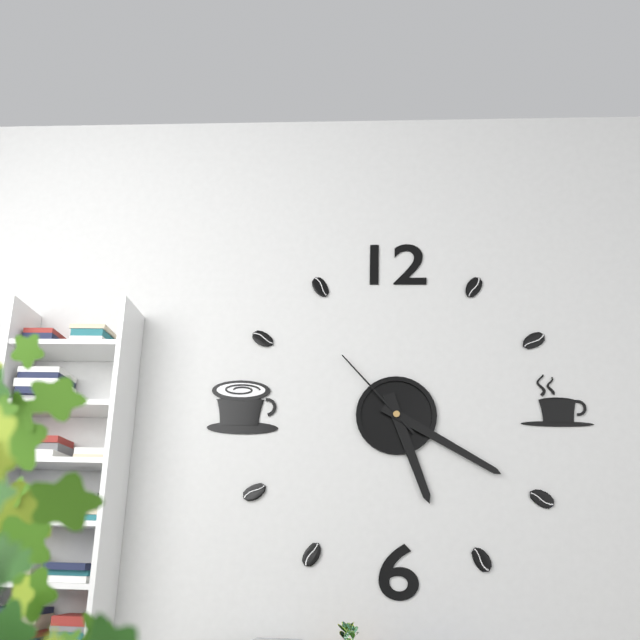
5:20:53
